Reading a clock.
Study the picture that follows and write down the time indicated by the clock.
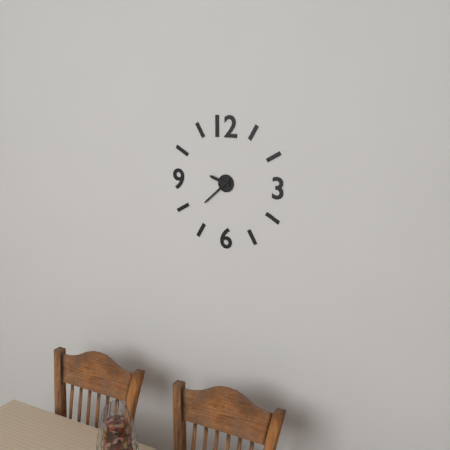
9:38
